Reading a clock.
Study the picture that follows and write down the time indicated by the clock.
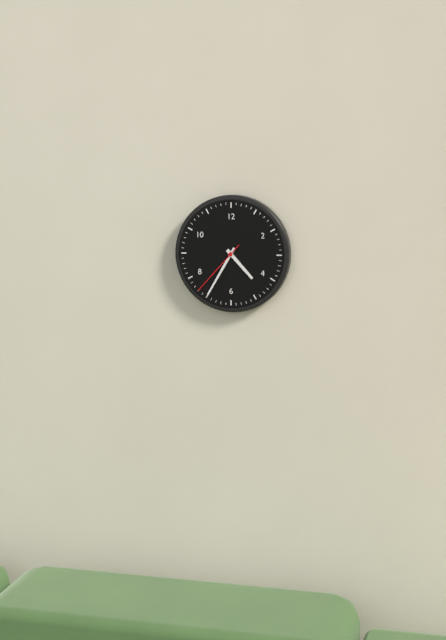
4:35:37
